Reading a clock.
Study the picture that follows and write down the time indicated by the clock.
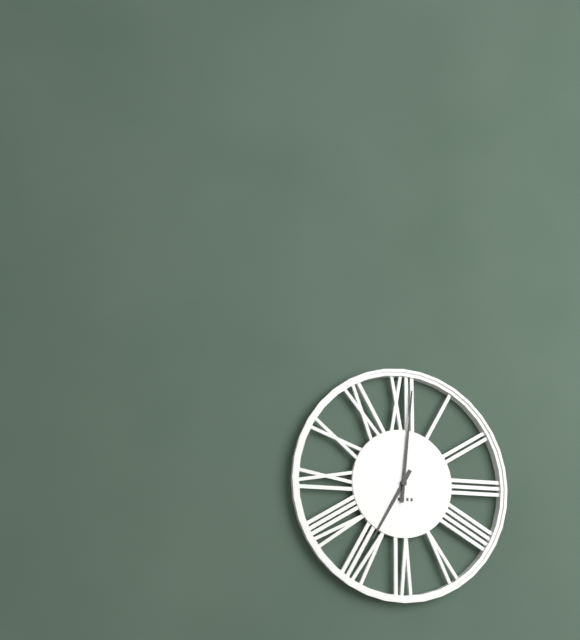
7:01
